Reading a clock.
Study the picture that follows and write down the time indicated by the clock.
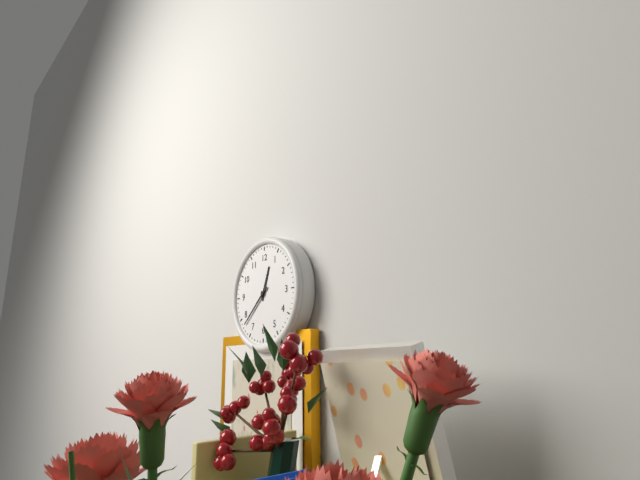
12:38
